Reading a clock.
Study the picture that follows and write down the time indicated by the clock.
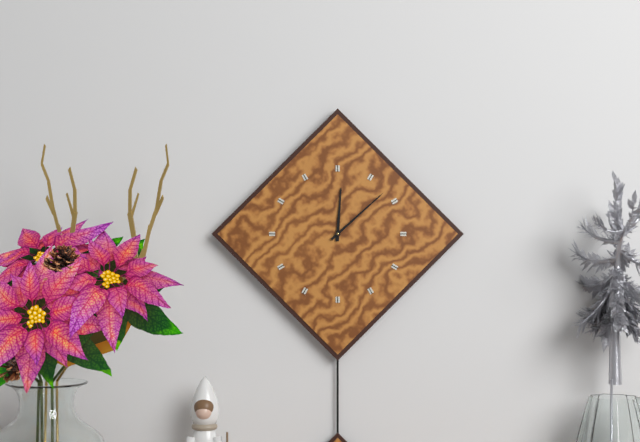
12:08
